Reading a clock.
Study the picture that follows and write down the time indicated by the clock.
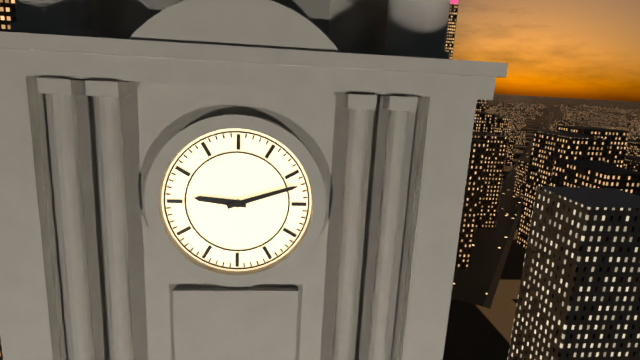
9:12
